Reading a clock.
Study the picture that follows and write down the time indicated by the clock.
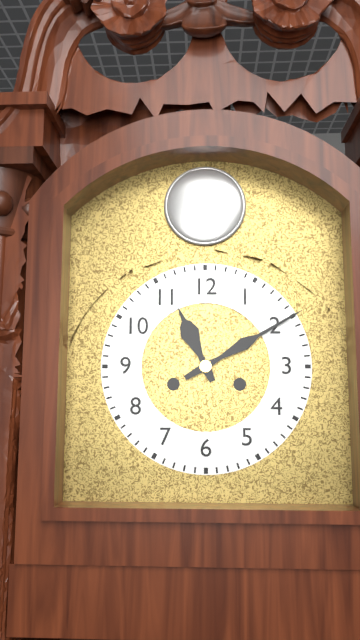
11:10
